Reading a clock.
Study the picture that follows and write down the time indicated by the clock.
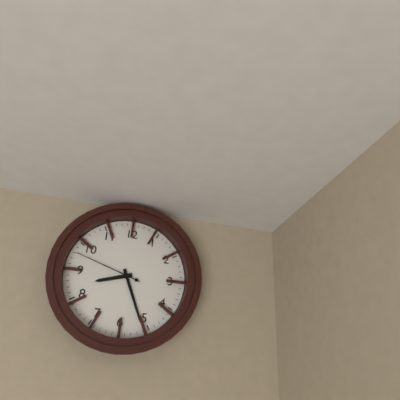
8:26:48
